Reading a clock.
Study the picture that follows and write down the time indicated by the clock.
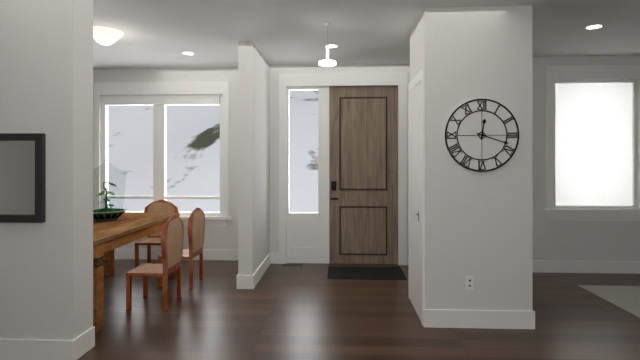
12:18
